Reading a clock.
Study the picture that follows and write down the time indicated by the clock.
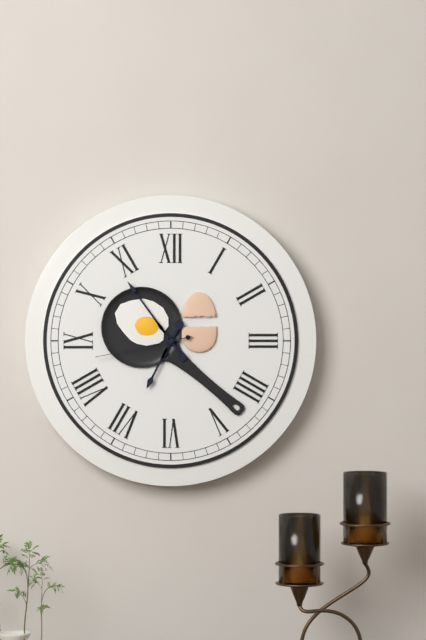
6:54:43
